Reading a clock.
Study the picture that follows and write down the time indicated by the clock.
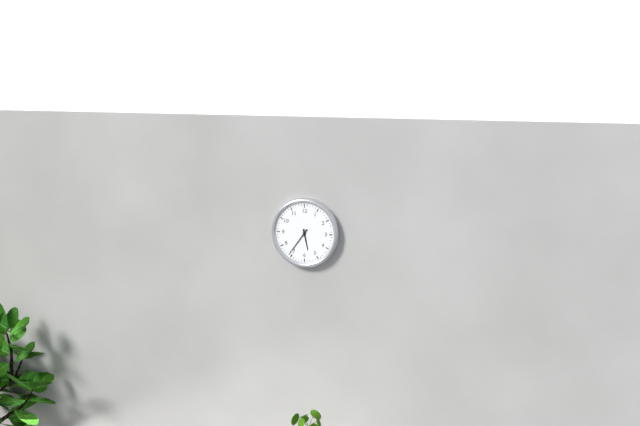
5:36
